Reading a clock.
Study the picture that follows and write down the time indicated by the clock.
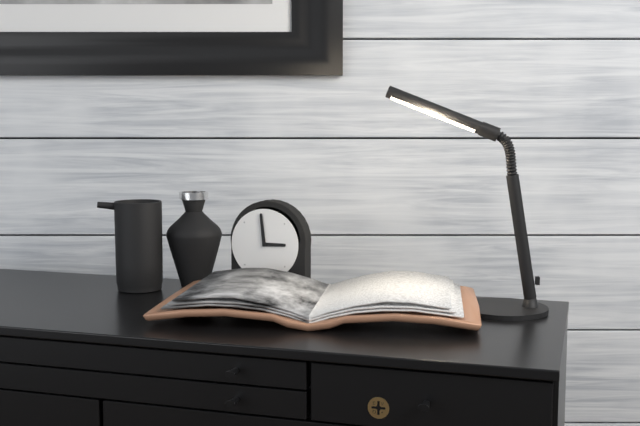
2:59
